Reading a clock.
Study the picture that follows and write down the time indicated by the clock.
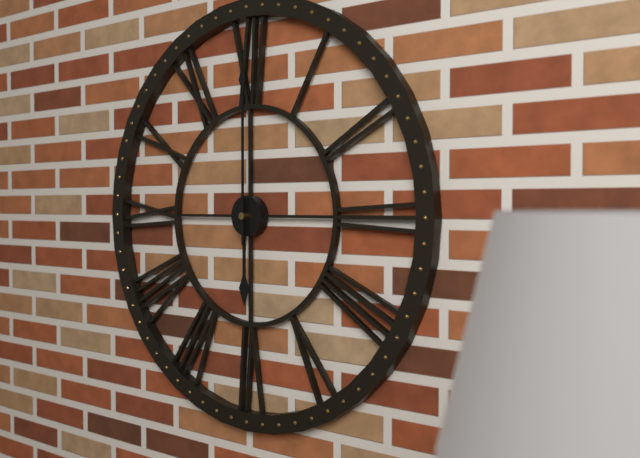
6:00
